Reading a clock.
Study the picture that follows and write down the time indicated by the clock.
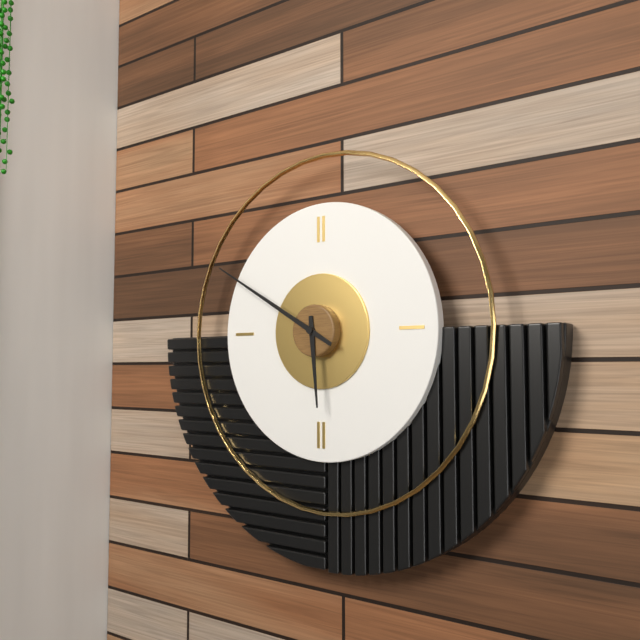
5:50
